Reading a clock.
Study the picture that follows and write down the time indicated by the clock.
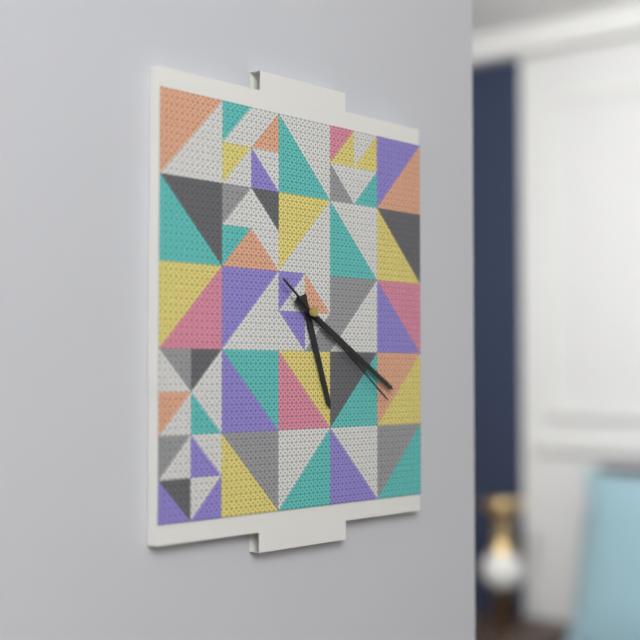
5:20:21
